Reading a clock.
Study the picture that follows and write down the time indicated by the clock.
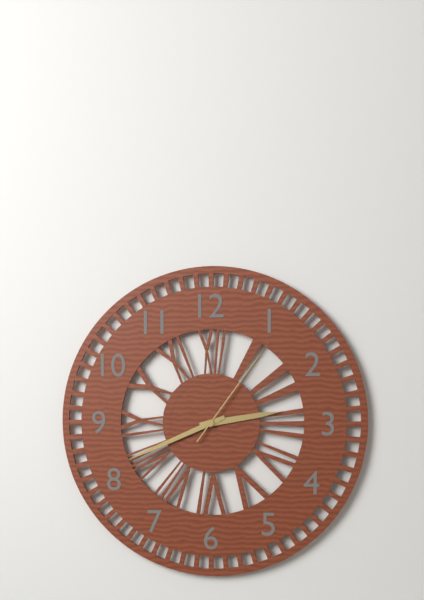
2:41:06
